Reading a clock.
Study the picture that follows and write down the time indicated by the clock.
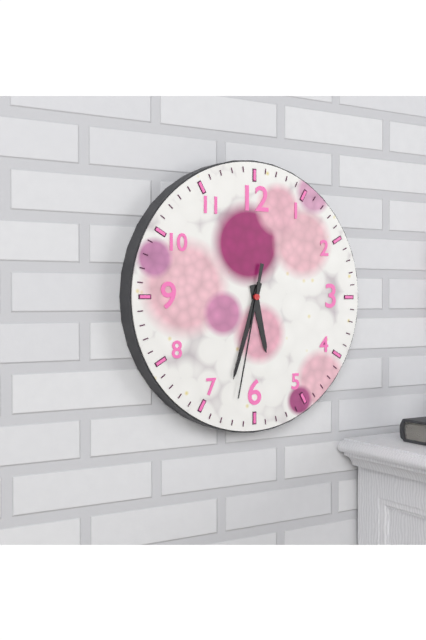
5:33:32
